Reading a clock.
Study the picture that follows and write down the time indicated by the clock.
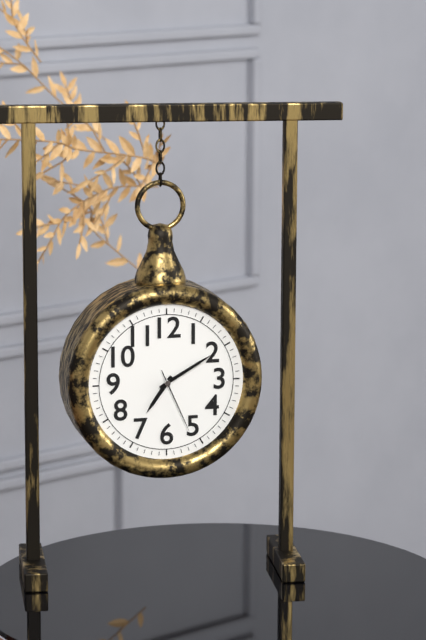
7:10:26
